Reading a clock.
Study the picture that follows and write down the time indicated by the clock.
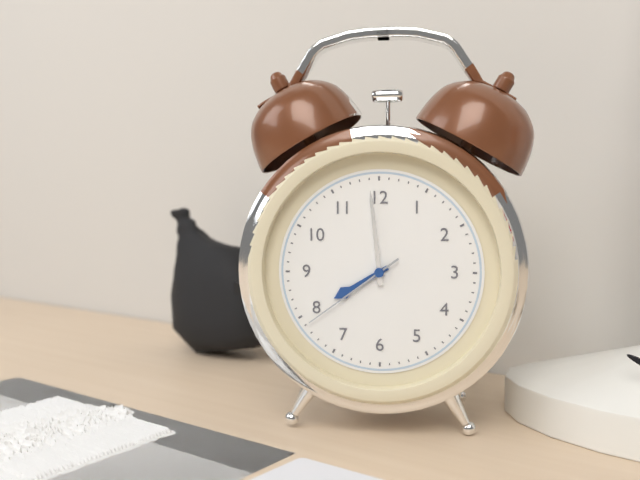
7:59:39
